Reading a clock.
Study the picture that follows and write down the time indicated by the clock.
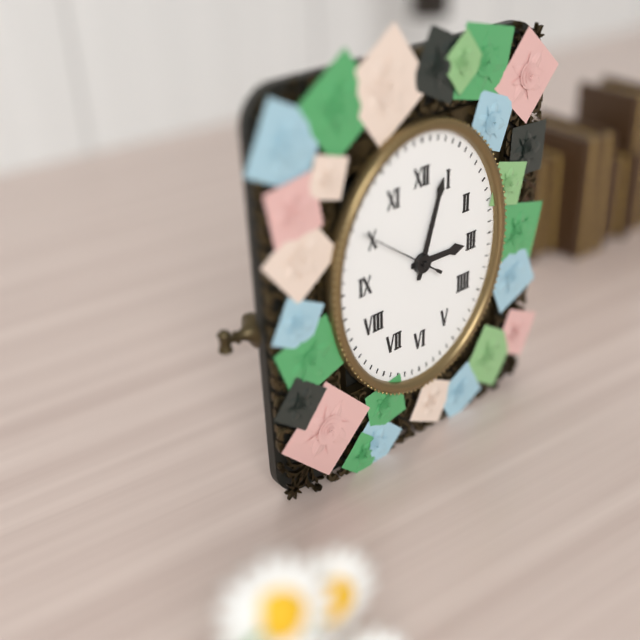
3:03:51
